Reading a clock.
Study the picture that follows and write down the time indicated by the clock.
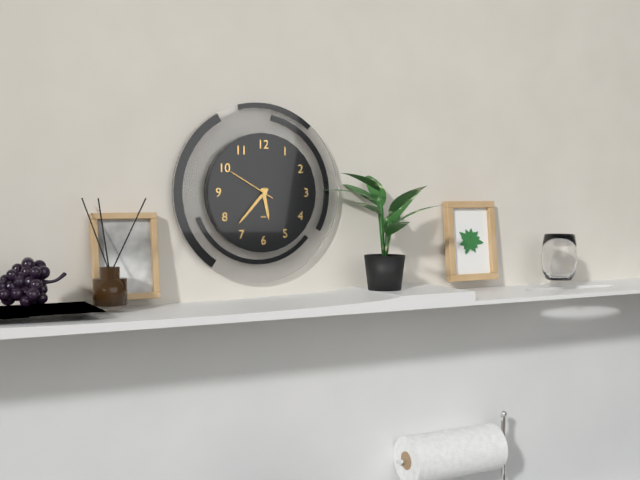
5:37:50
